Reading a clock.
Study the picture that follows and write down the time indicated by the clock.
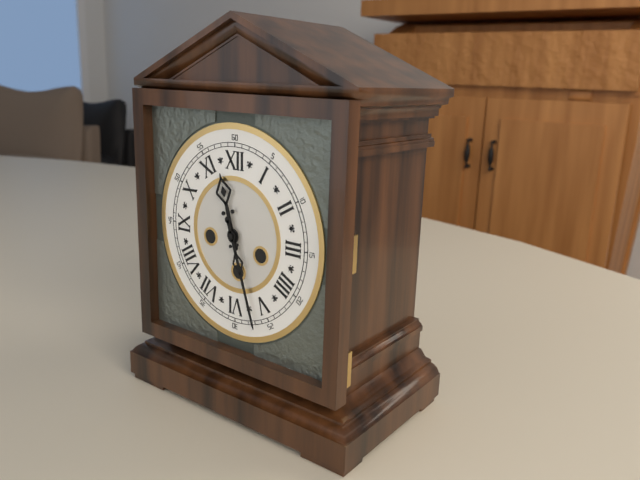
11:27
